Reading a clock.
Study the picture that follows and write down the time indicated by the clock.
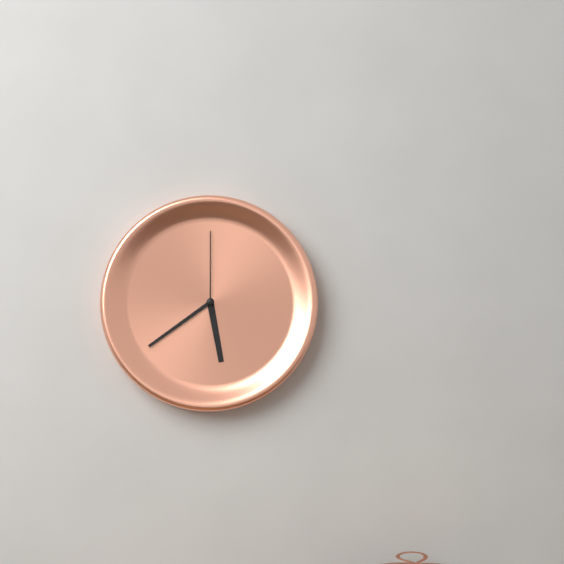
5:39:00
